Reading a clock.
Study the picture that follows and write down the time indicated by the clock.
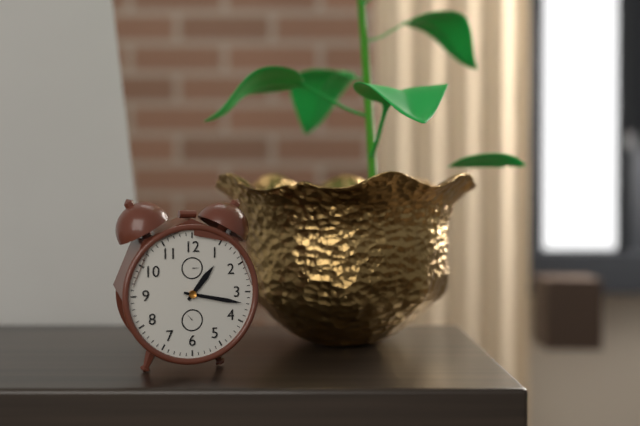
1:17
